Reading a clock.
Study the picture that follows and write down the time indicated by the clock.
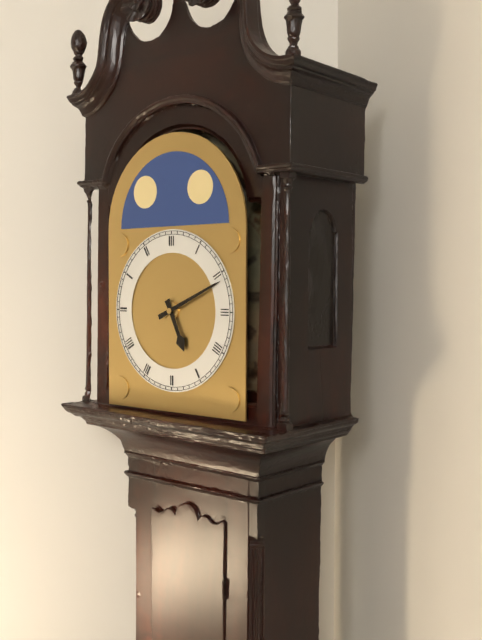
5:11
